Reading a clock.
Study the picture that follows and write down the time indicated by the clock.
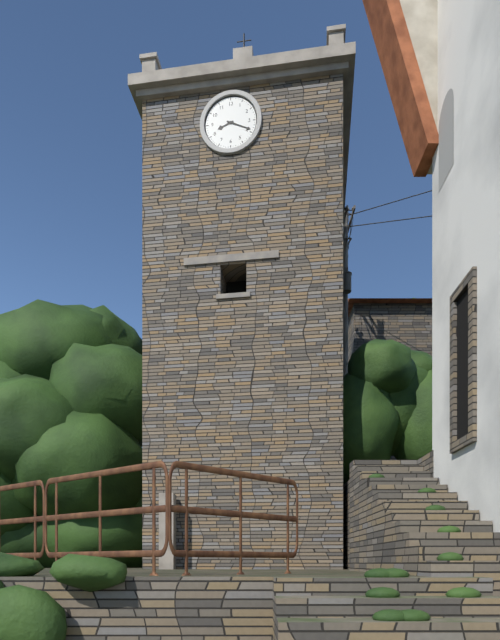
8:19
